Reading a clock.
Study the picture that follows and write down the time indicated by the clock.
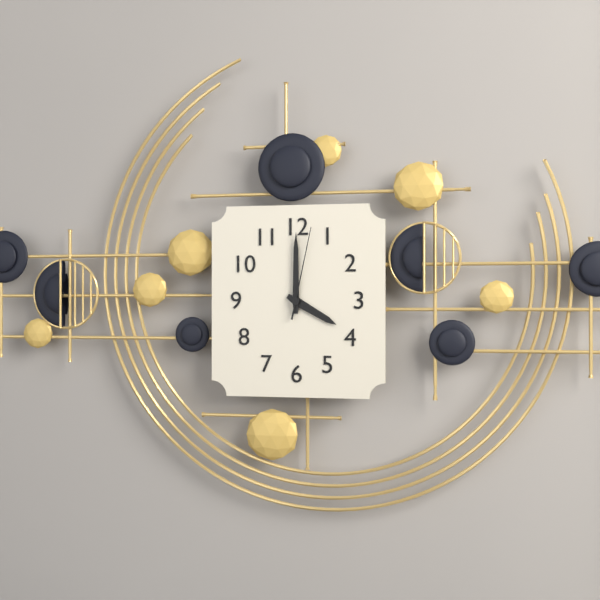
4:00:02
